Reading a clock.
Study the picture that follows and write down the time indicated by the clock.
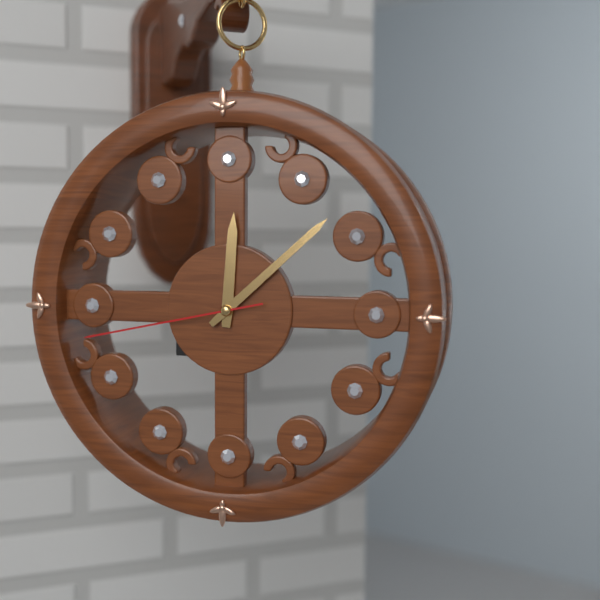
12:08:43
